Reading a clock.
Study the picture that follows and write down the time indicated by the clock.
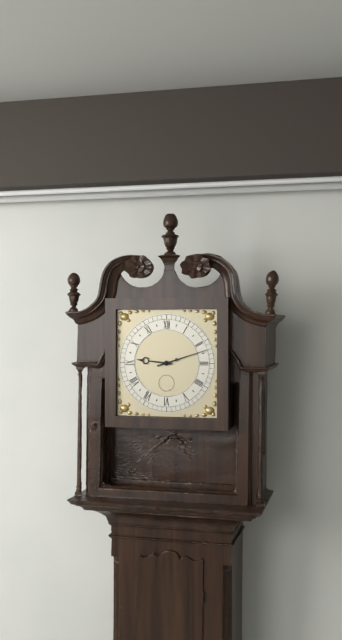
9:12
